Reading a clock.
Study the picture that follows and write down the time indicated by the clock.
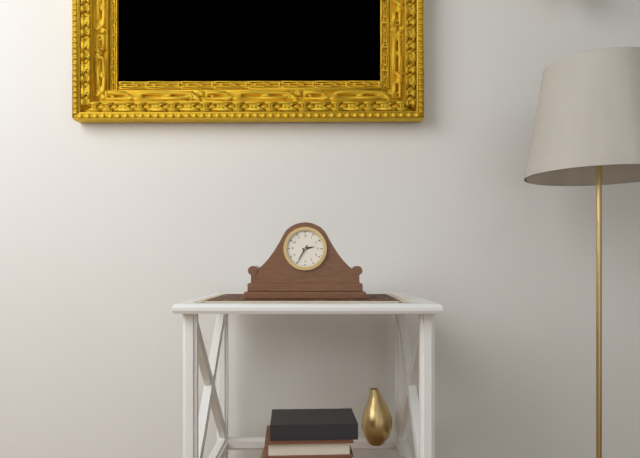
2:35
